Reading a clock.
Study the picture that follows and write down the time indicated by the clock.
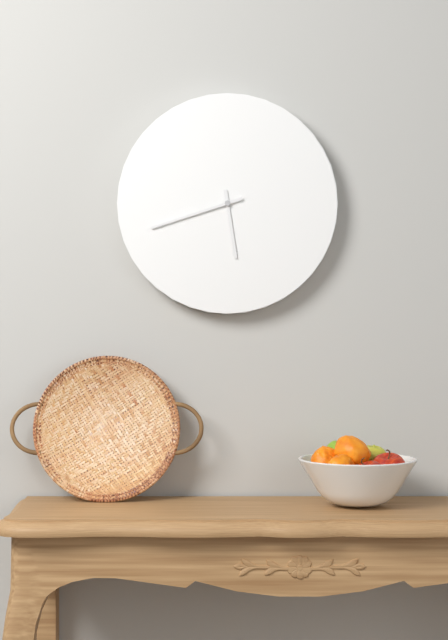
5:42
